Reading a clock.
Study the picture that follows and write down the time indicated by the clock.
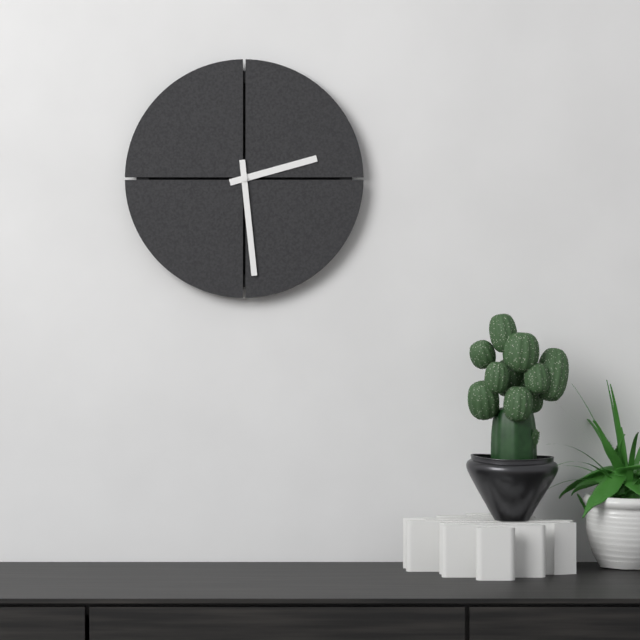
2:29
